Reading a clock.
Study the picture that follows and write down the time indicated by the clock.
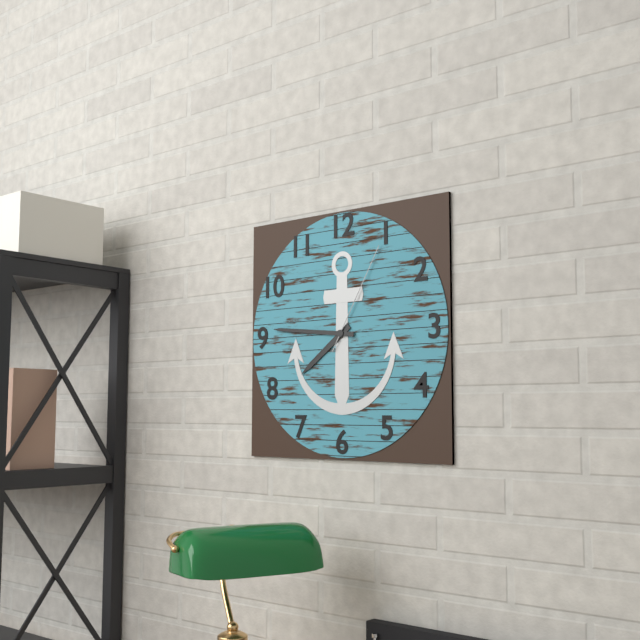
7:46:05
